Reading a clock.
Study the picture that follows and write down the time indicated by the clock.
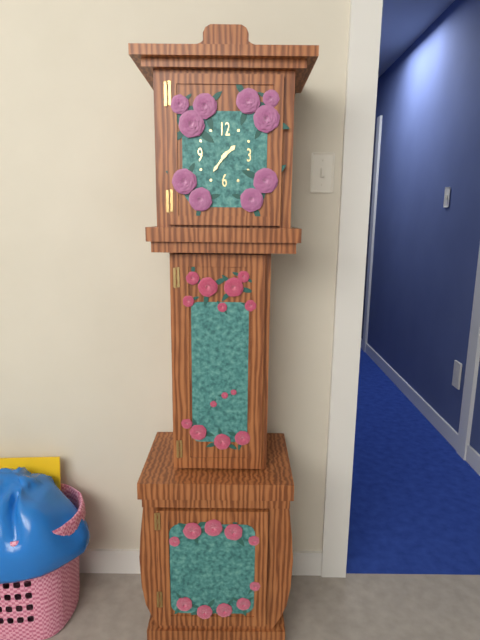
1:36
